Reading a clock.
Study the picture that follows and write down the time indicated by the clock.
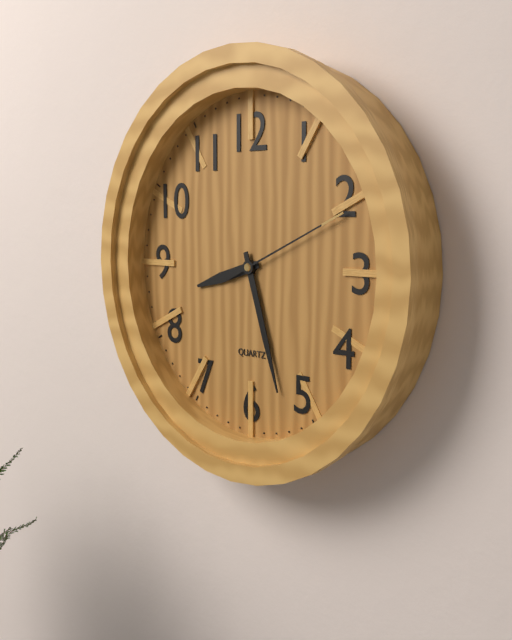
8:27:11
